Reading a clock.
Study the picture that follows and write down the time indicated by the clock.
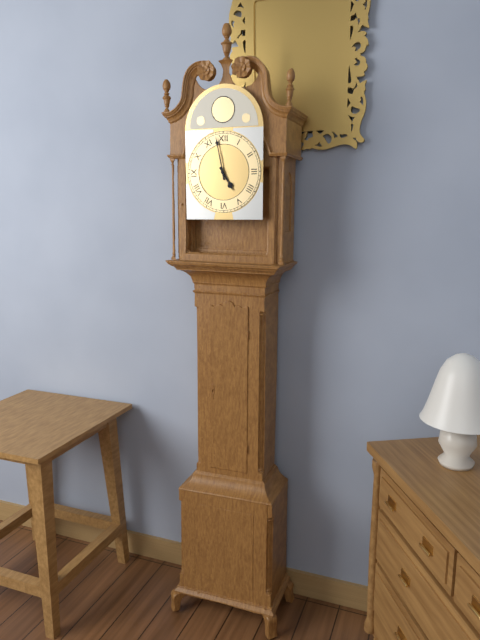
4:58
